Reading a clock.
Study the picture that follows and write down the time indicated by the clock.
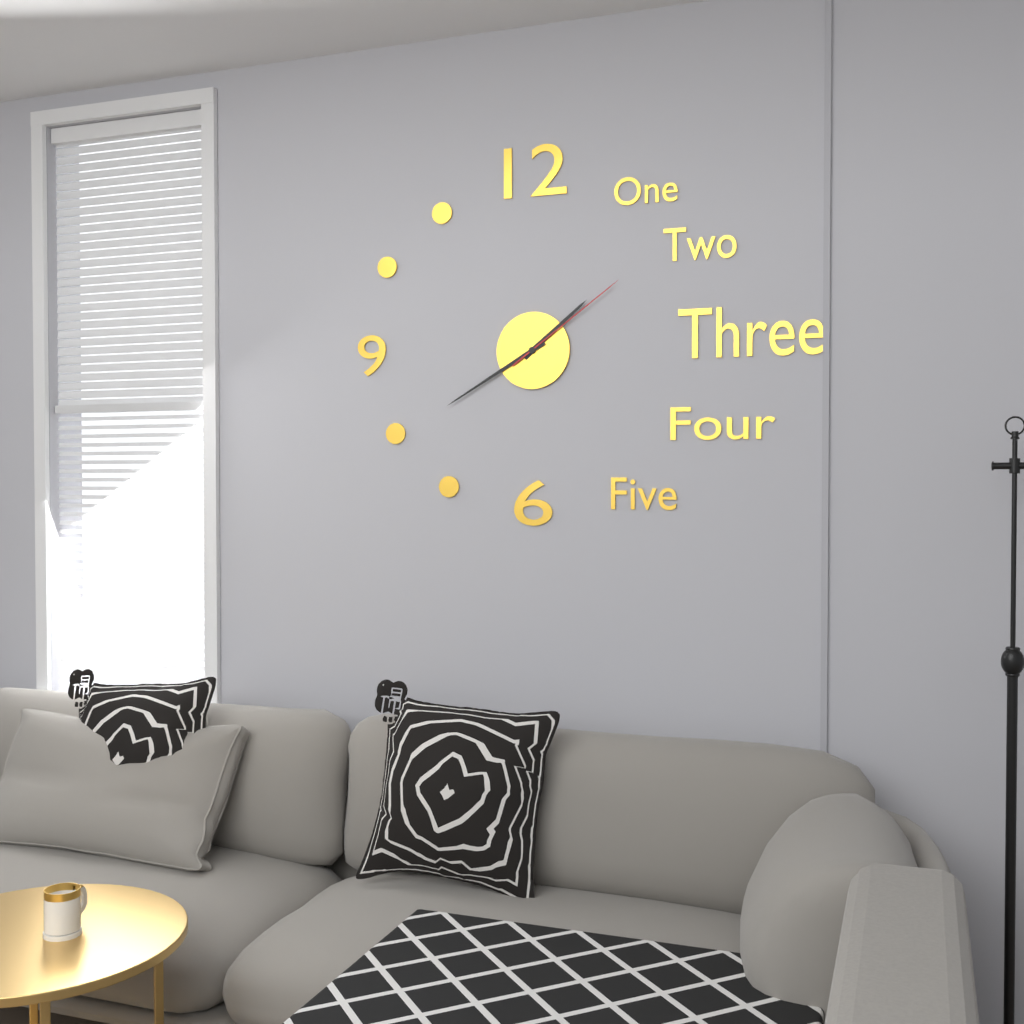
1:40:09
